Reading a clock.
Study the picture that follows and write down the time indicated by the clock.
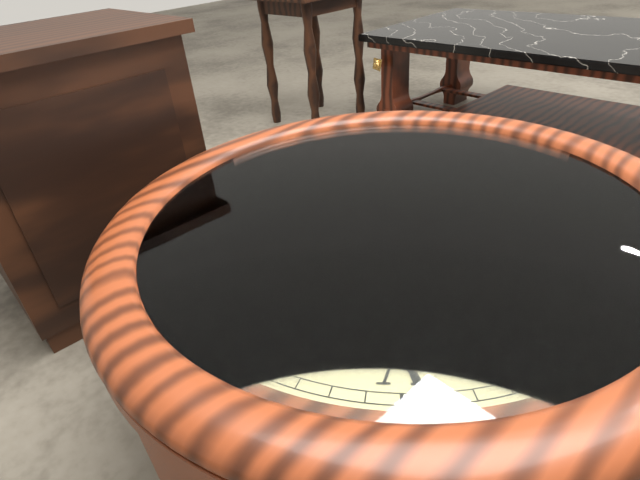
10:48:56
